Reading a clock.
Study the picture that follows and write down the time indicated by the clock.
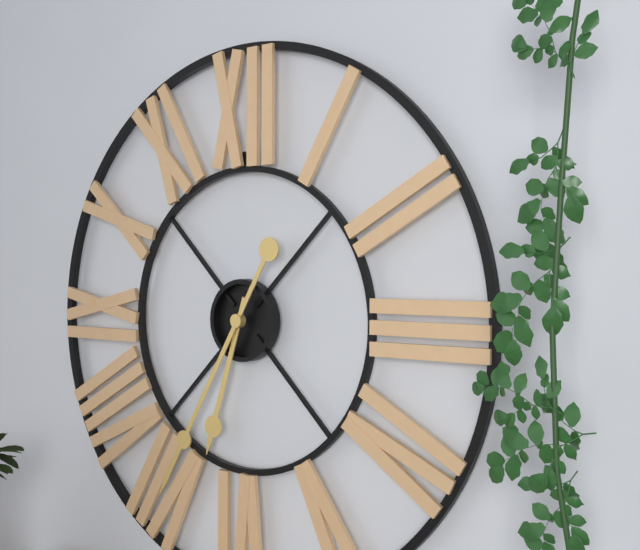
6:35
